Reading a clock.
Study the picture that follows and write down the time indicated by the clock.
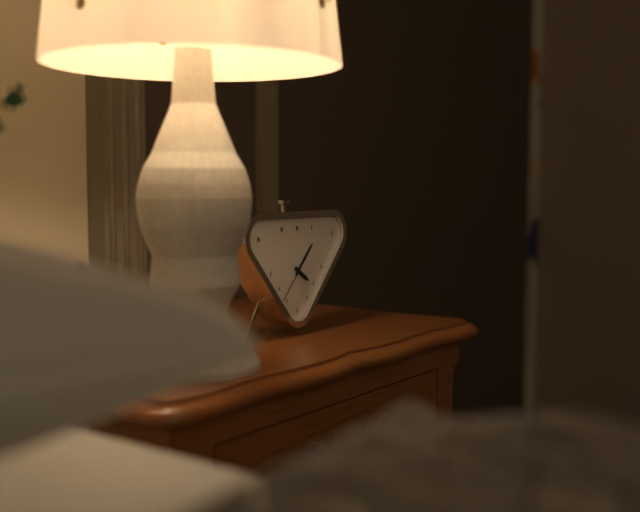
4:07
